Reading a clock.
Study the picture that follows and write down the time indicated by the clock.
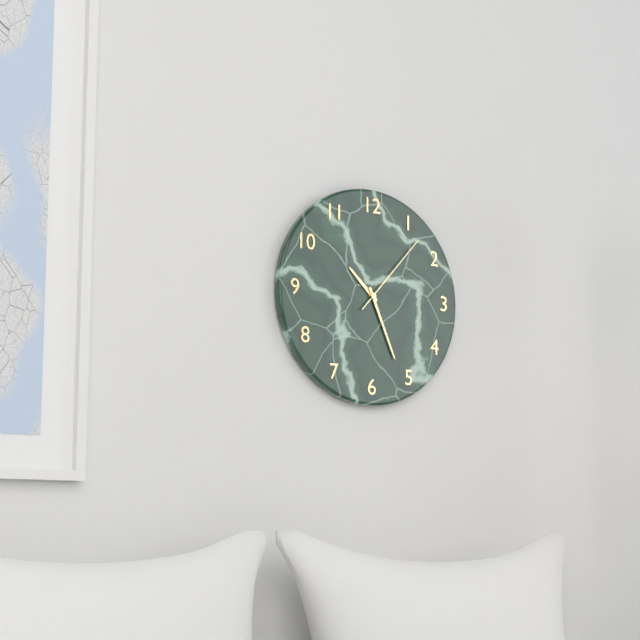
10:26:07
